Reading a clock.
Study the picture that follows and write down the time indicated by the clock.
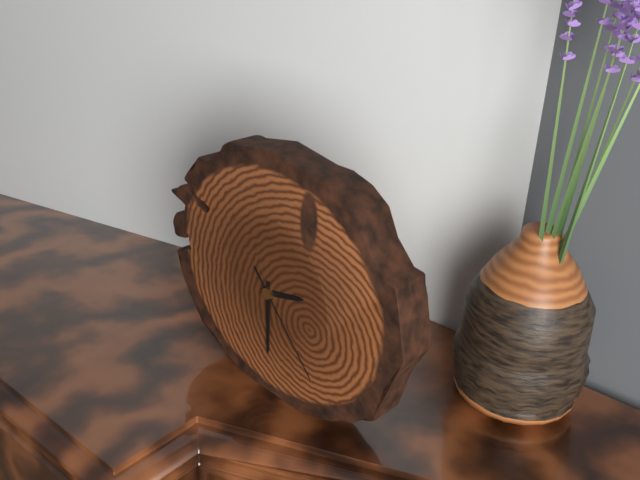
2:30:23
